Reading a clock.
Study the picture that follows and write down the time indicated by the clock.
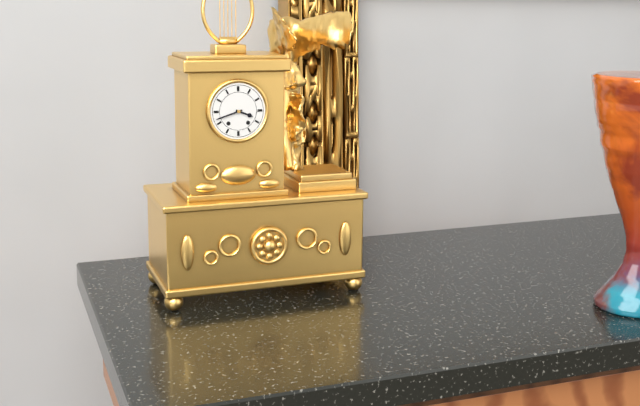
3:42
